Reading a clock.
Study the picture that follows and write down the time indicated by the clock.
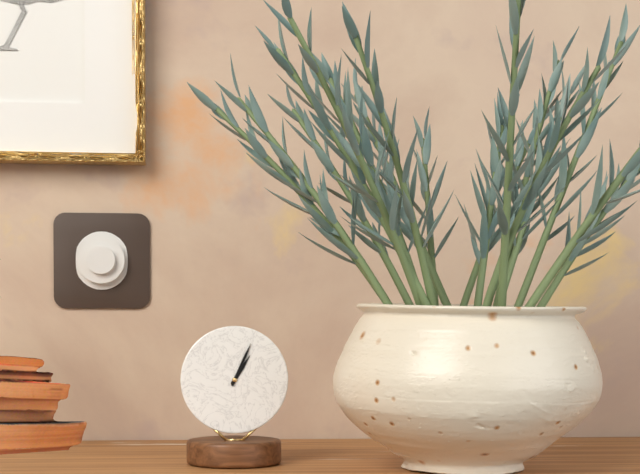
1:04
